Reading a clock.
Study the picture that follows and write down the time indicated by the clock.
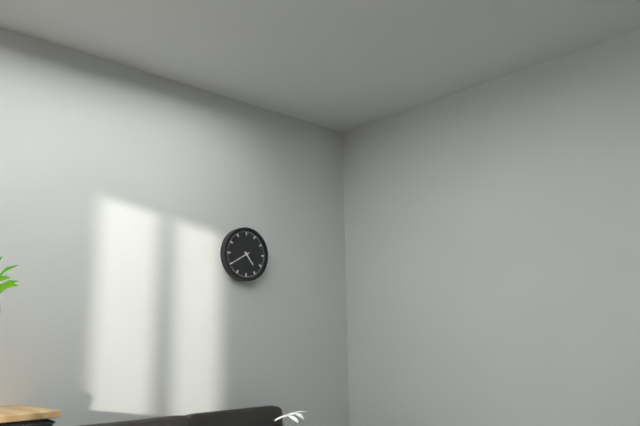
4:40
